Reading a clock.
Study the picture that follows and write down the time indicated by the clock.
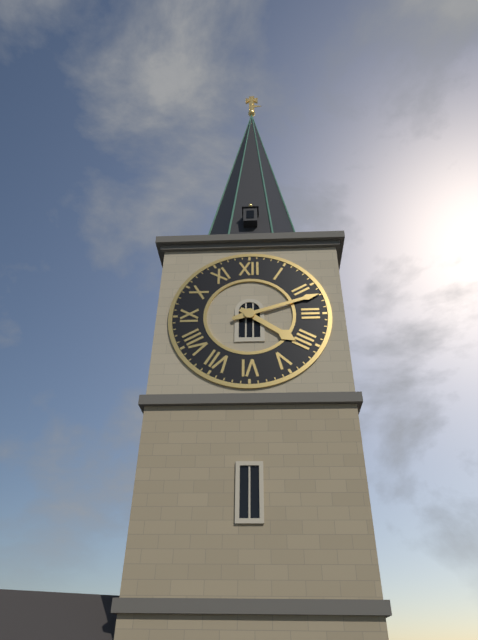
4:12
